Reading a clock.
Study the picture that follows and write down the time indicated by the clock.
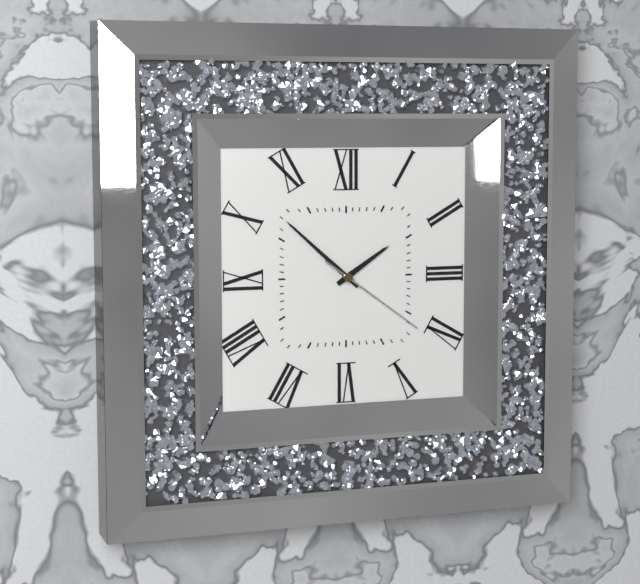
1:52:21
